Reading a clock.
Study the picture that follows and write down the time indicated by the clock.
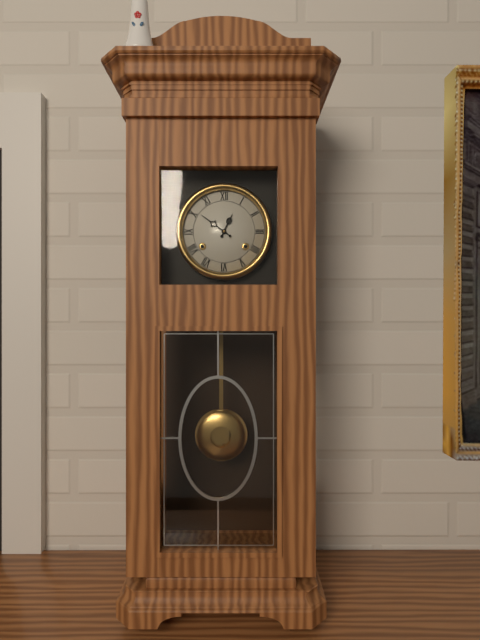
12:51
